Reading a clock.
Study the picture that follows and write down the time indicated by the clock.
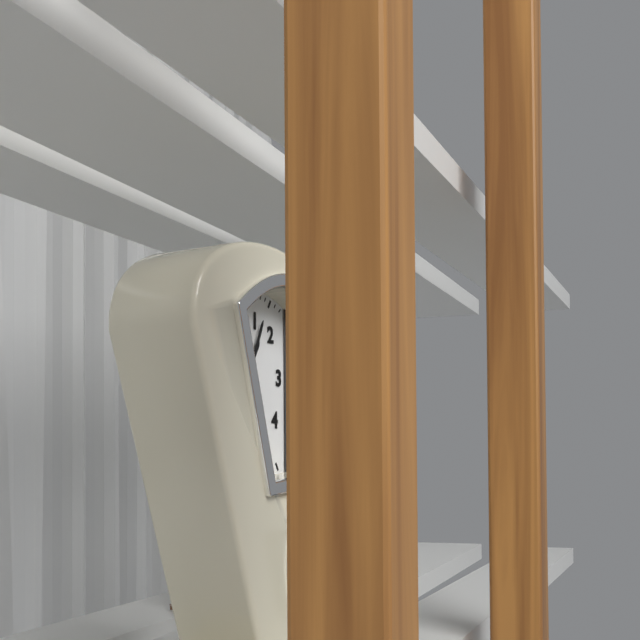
1:04
